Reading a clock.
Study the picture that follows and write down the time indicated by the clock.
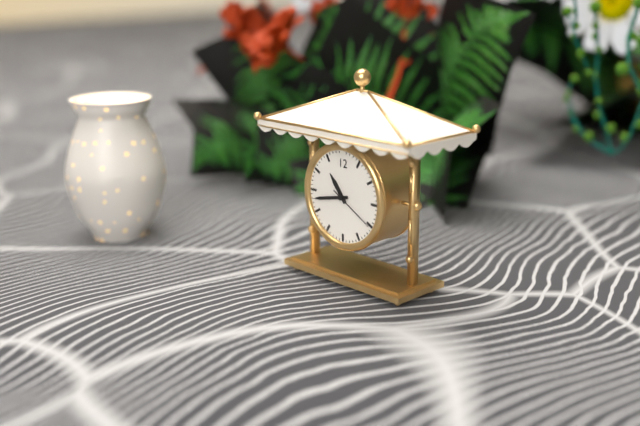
10:43
